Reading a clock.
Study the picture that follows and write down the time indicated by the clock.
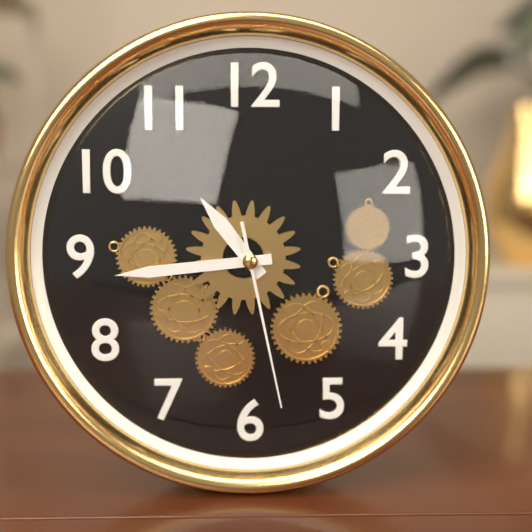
10:44:28
